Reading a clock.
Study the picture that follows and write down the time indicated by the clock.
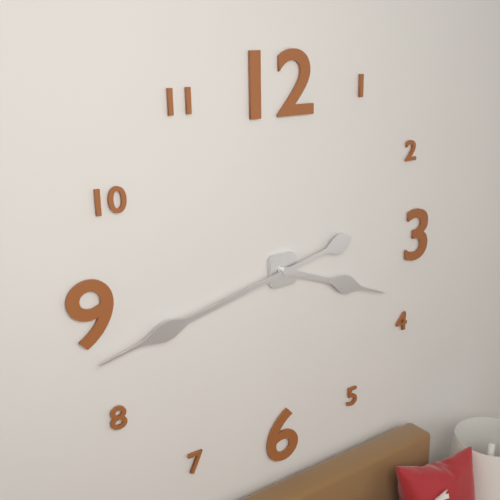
3:43
